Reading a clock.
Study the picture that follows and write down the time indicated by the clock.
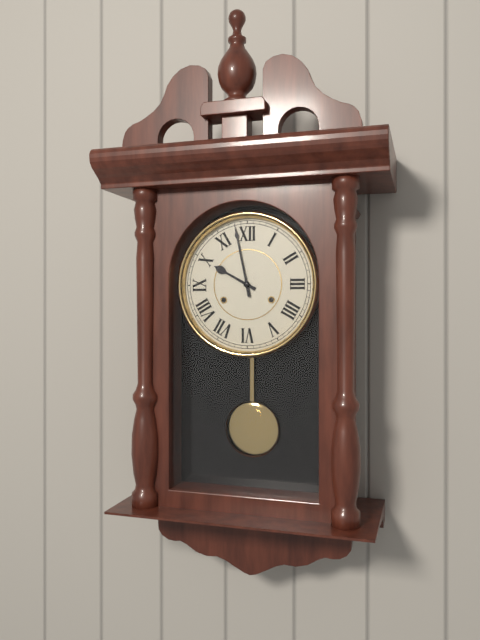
9:58
